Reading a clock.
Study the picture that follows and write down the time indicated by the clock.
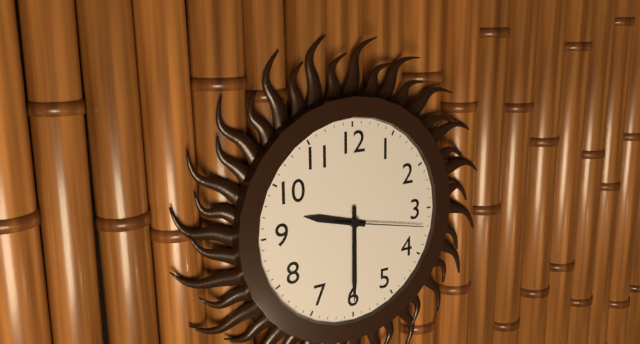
9:30:17
